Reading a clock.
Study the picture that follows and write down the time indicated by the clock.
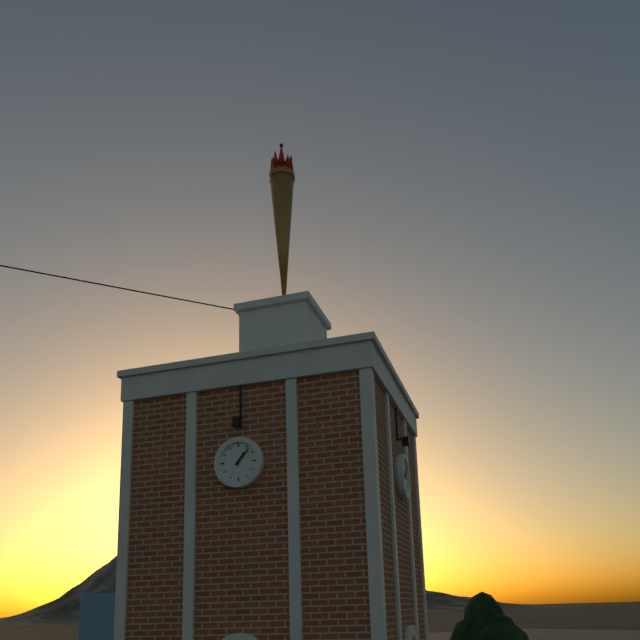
1:07
